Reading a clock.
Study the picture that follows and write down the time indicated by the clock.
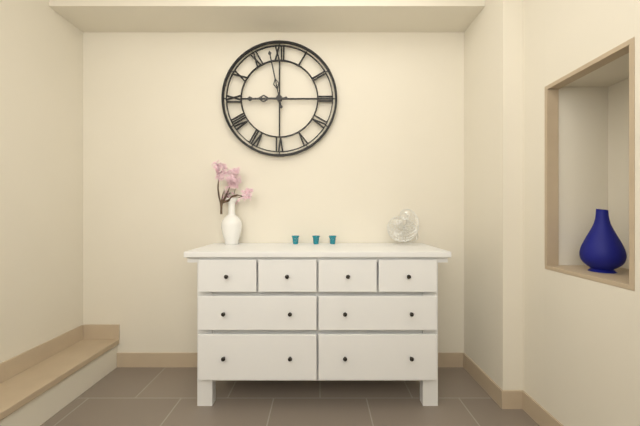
8:58
